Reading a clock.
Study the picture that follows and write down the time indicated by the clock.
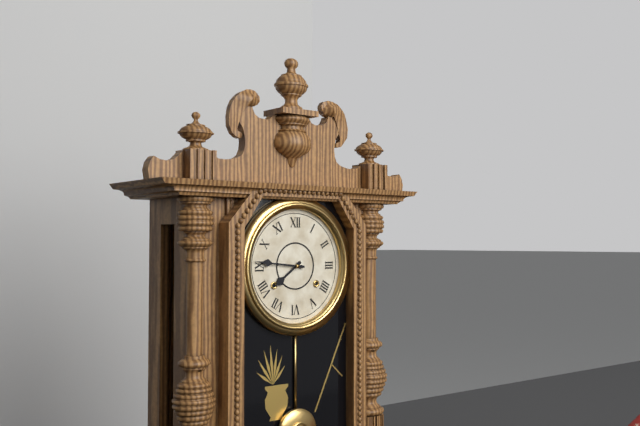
7:46
